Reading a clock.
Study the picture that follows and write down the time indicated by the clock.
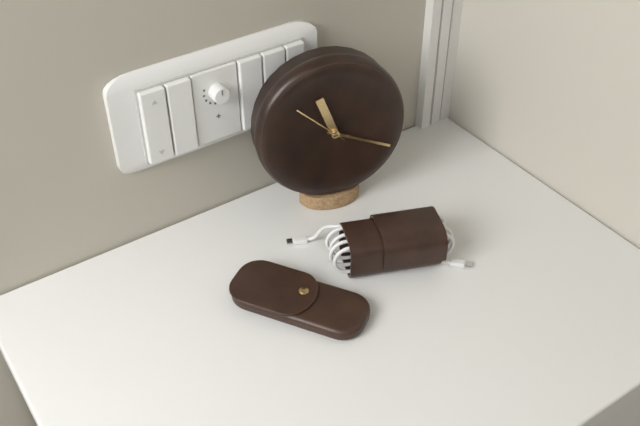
11:19:52
